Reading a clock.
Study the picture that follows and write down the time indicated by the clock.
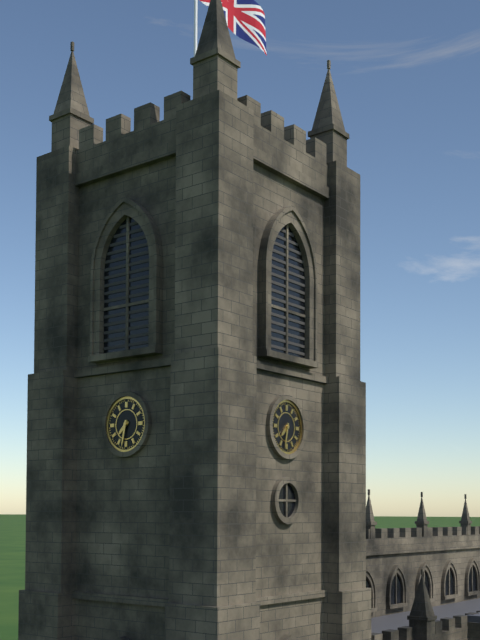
7:32
